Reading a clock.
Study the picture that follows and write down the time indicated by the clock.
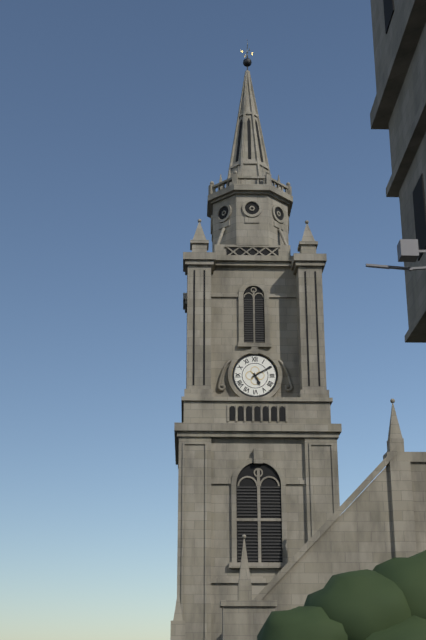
5:10
